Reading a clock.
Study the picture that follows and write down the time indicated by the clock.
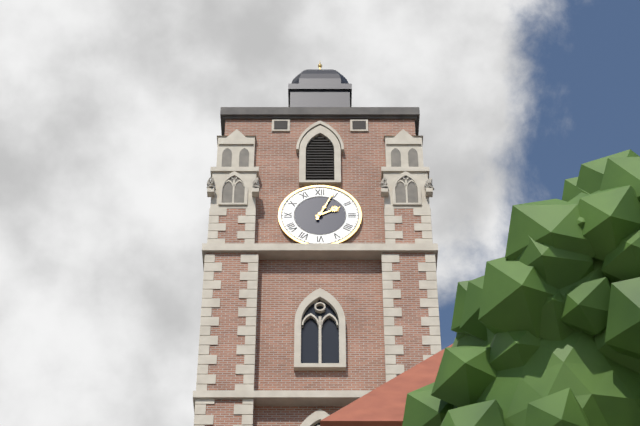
2:04
